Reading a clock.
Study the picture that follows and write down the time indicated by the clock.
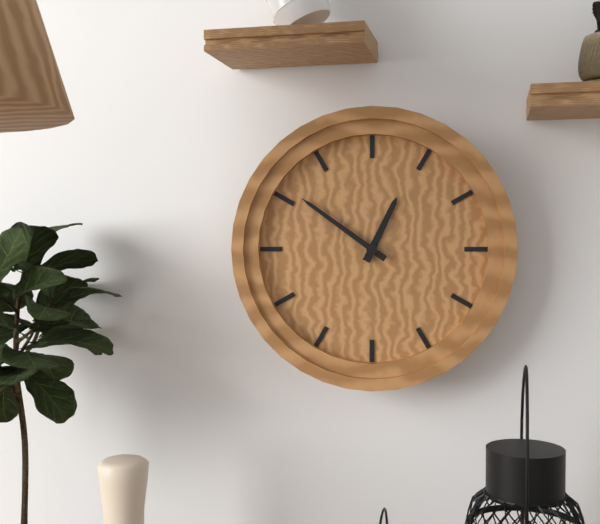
12:51
